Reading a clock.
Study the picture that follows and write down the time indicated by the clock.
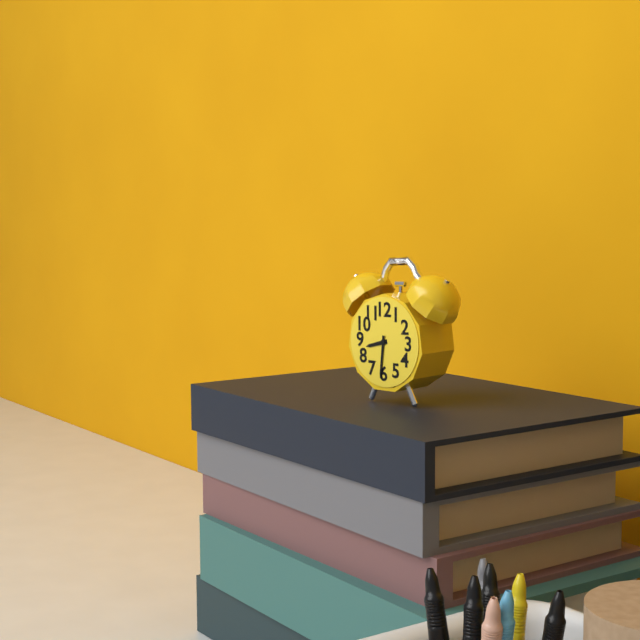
8:31
